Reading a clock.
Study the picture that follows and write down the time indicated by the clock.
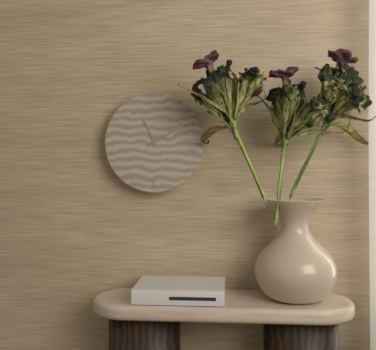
11:10
